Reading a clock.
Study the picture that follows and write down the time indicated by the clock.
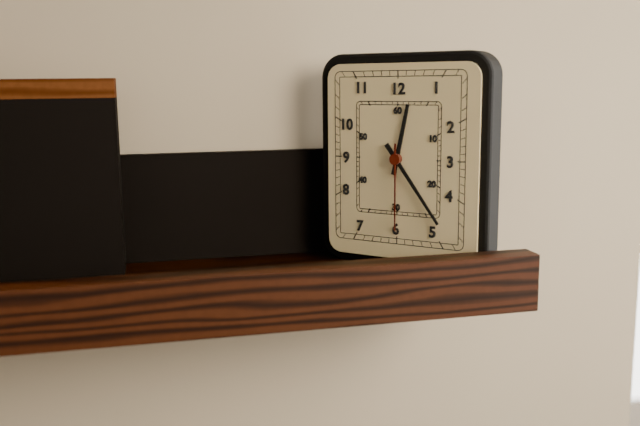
12:24:30
